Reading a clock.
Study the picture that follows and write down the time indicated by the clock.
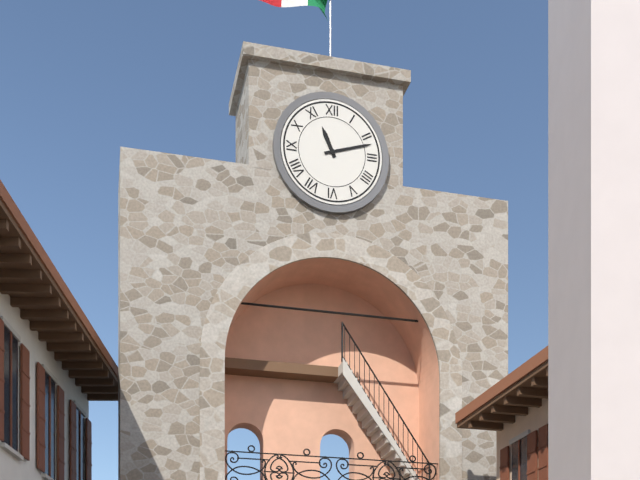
11:12
